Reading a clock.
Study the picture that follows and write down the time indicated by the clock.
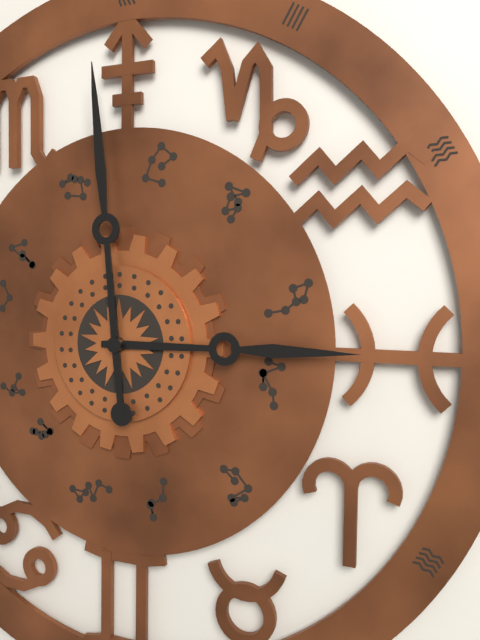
2:59
